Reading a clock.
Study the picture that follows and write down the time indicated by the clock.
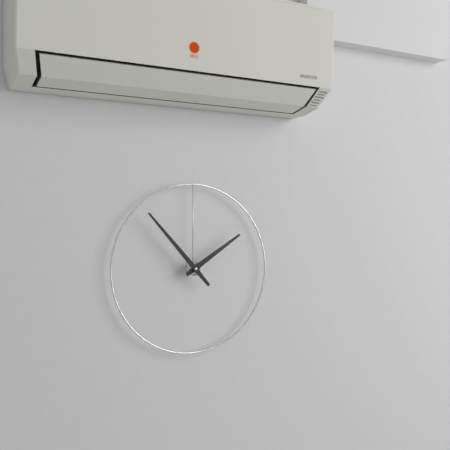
1:53
